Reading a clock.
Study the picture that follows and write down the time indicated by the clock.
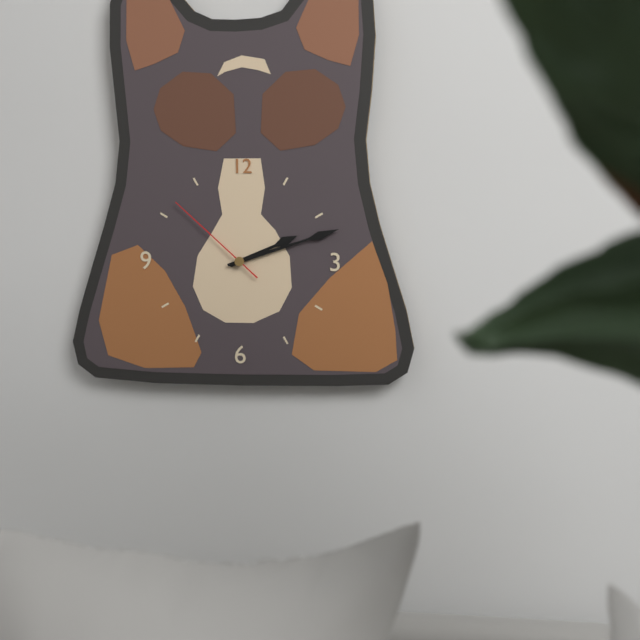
2:12:52
